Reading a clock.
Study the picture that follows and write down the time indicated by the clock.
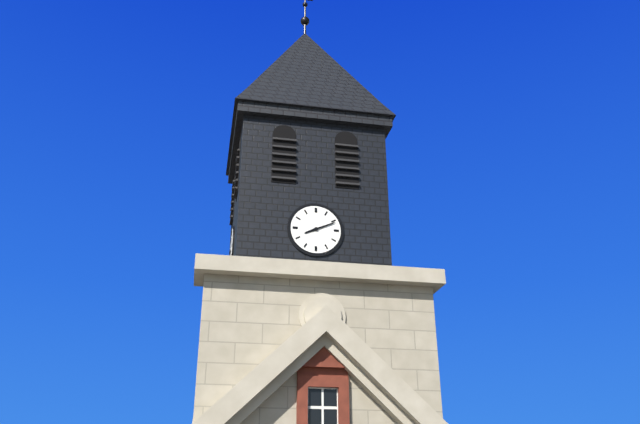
8:11
